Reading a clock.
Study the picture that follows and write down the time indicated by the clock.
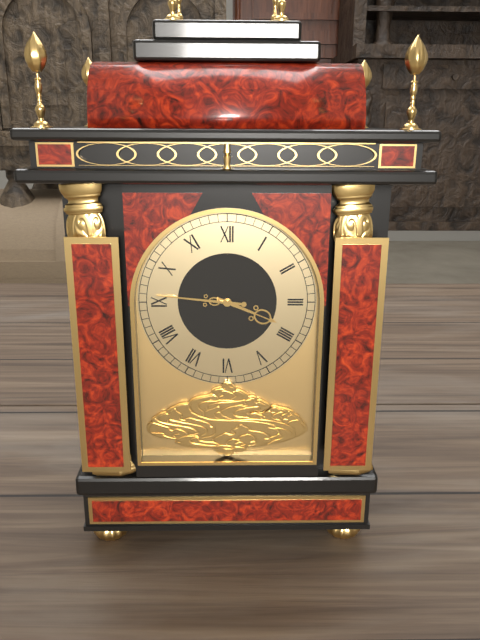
3:46
